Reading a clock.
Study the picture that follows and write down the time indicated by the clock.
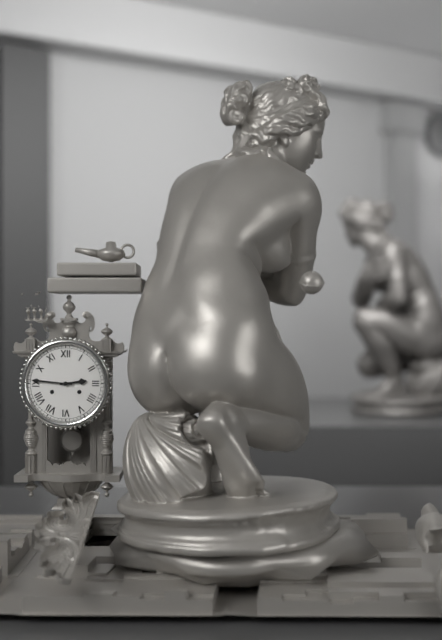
2:46
